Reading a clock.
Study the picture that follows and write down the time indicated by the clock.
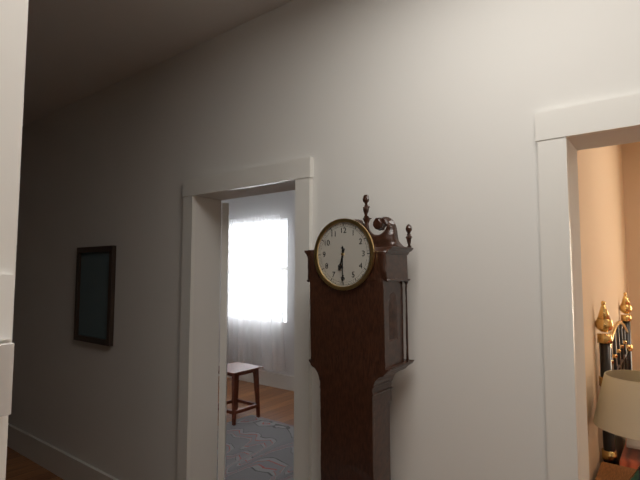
6:30
